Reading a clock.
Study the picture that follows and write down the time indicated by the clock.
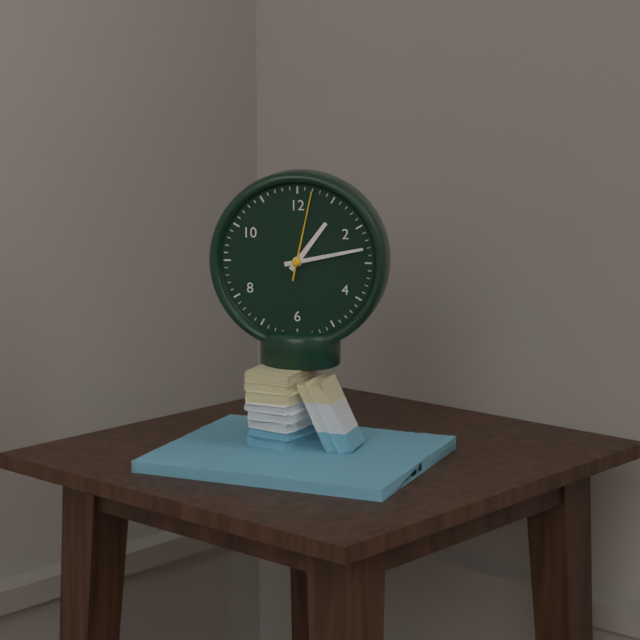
1:13:02
